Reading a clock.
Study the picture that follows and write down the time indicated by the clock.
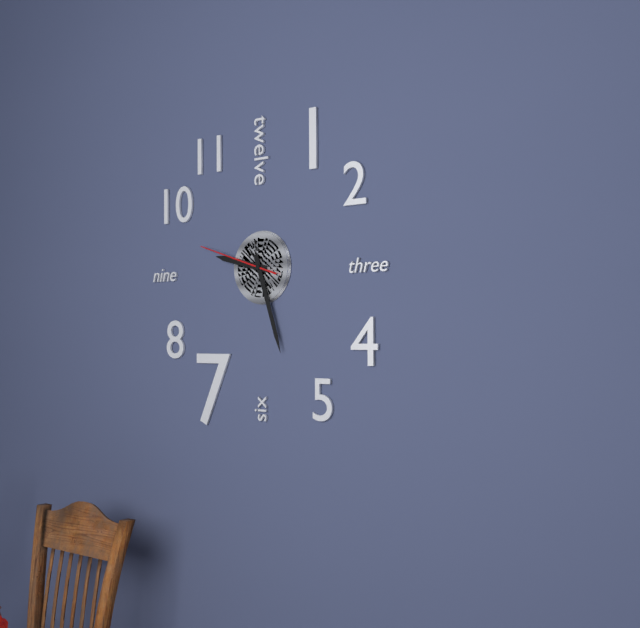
9:27:48
